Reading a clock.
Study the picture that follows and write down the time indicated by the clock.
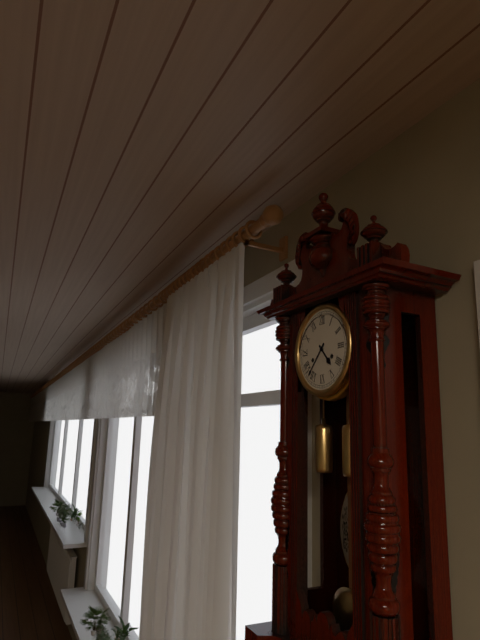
4:37
